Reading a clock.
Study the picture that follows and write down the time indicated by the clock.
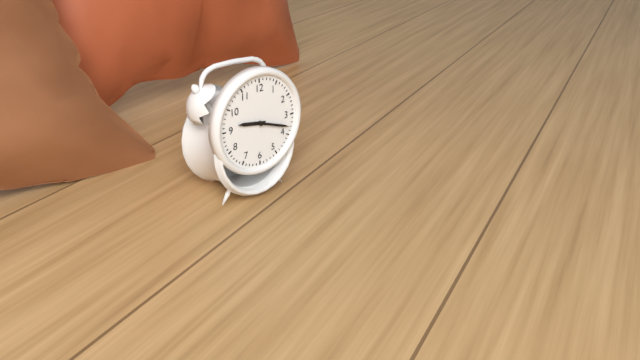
9:18
